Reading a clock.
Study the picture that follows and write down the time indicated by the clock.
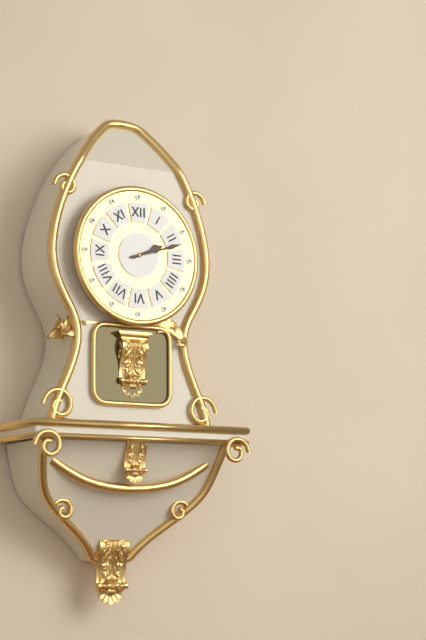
2:12
